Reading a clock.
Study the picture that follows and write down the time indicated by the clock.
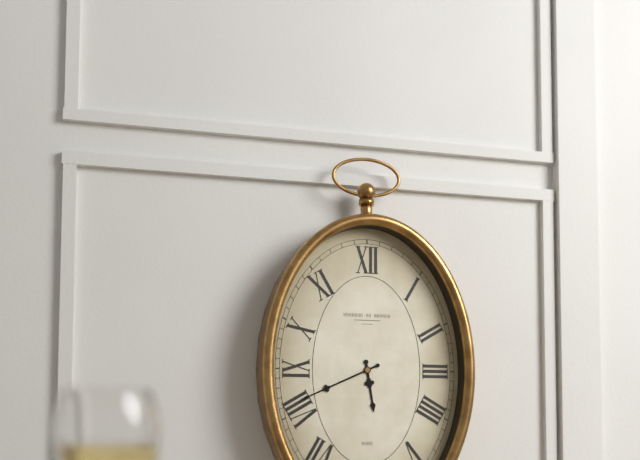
5:41
